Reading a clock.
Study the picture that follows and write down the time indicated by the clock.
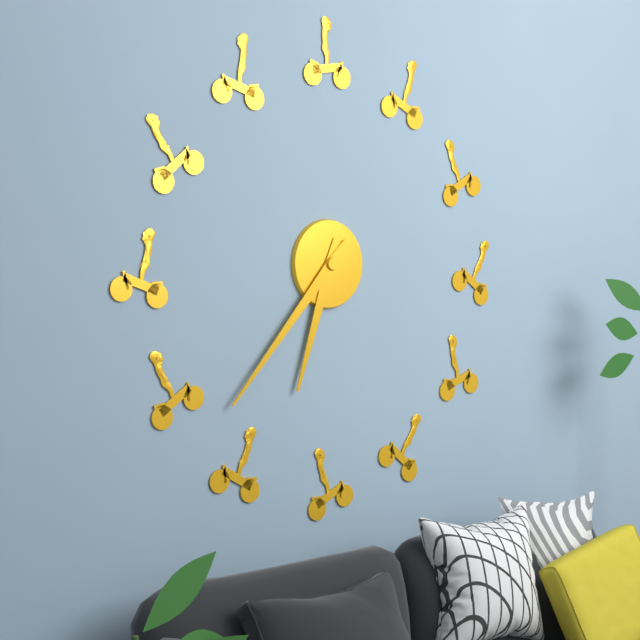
6:37
